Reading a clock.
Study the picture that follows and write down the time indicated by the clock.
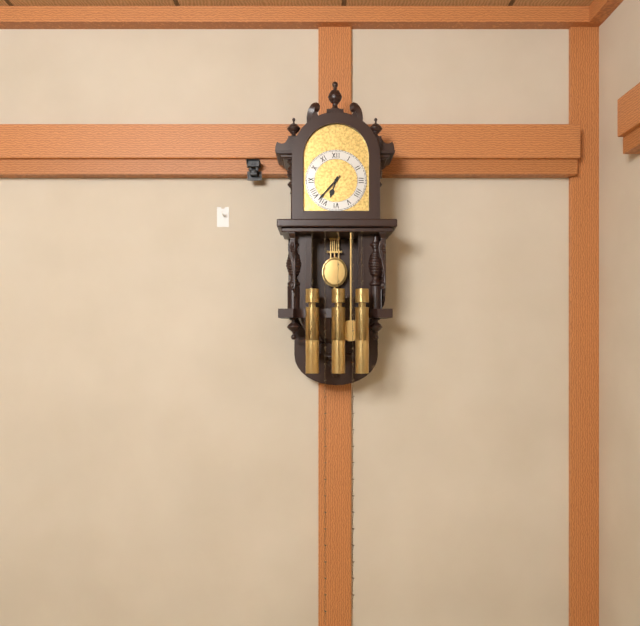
6:37
